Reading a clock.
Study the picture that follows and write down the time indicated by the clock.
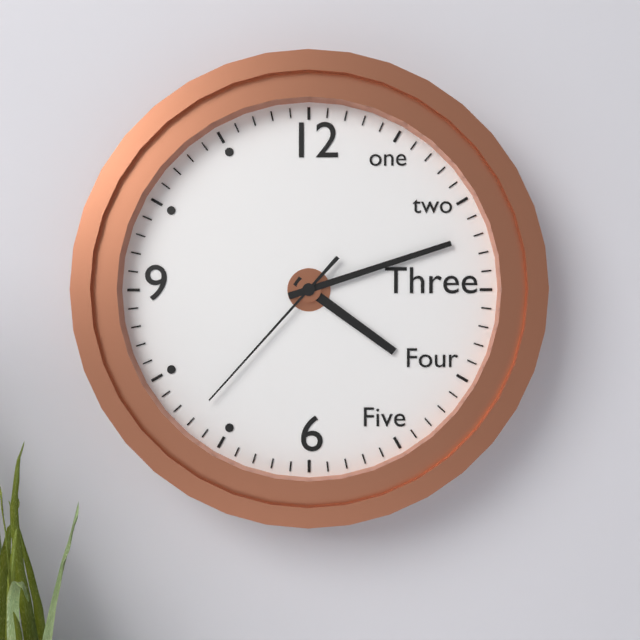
4:12:37
